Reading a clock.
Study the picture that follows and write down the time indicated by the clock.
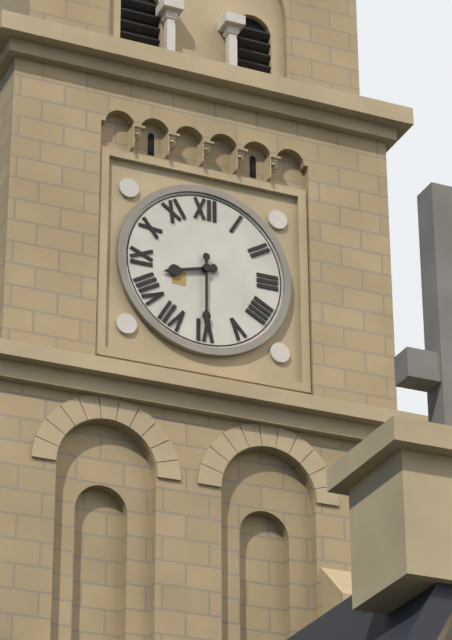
8:30
